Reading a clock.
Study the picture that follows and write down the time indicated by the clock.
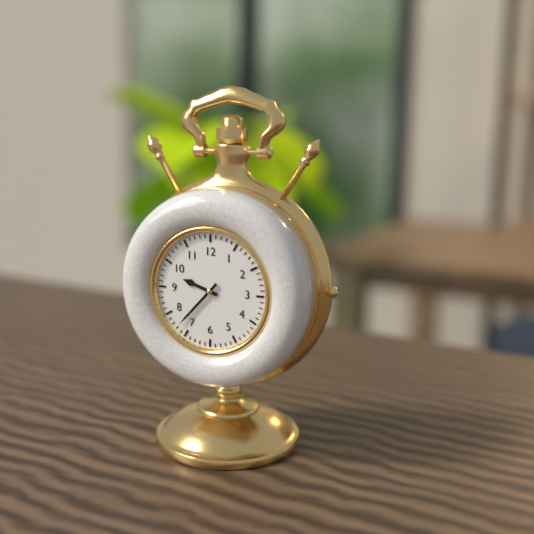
9:37
